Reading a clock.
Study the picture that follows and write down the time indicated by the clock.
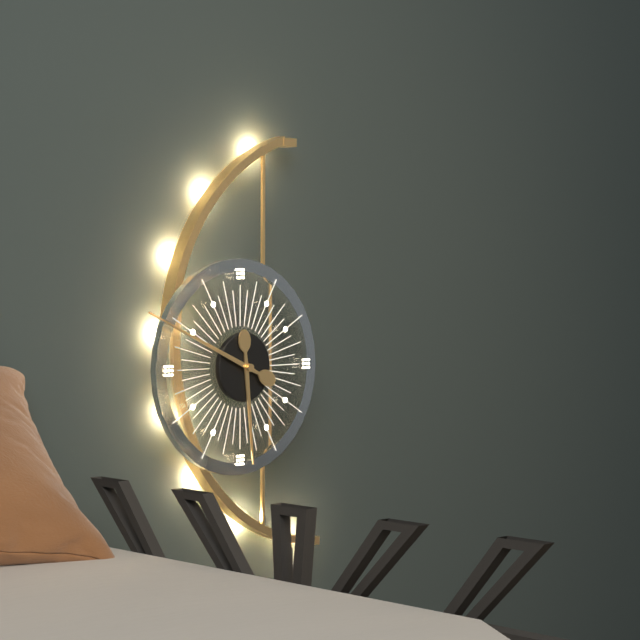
5:49
